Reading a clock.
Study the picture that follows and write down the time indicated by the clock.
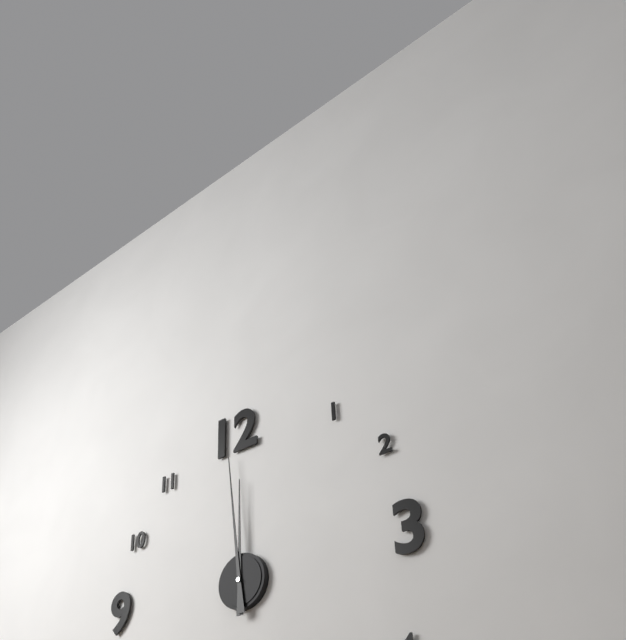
11:59
